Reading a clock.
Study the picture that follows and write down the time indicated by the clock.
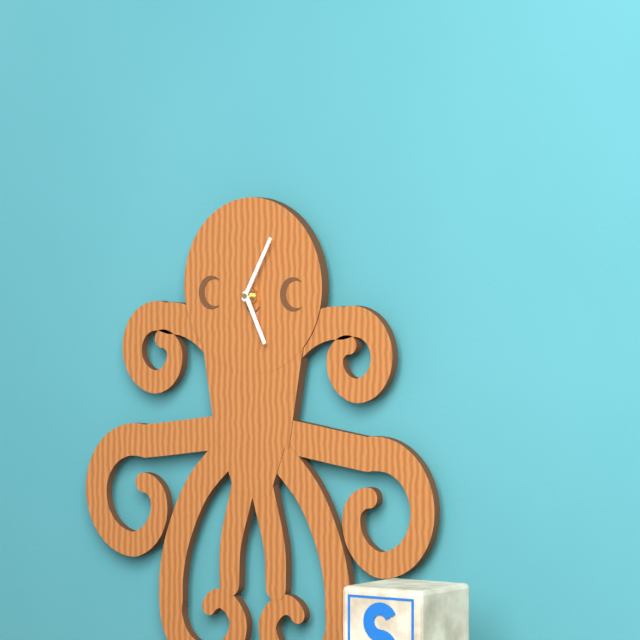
5:05
